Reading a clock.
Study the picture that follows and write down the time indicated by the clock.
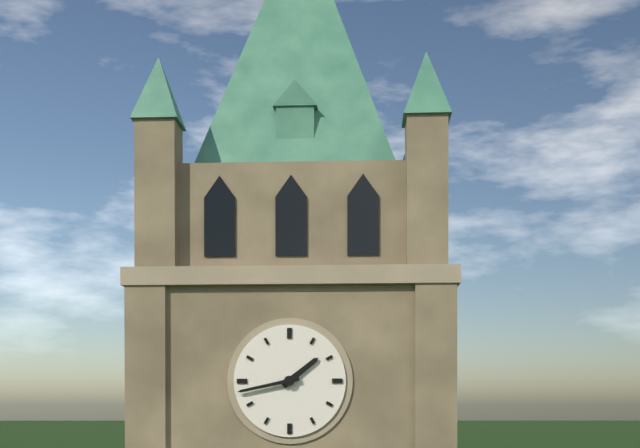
1:43
